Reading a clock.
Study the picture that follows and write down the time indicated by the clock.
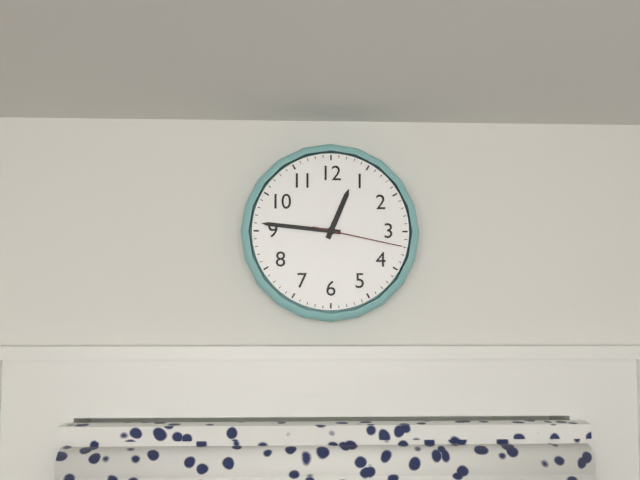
12:46:17
